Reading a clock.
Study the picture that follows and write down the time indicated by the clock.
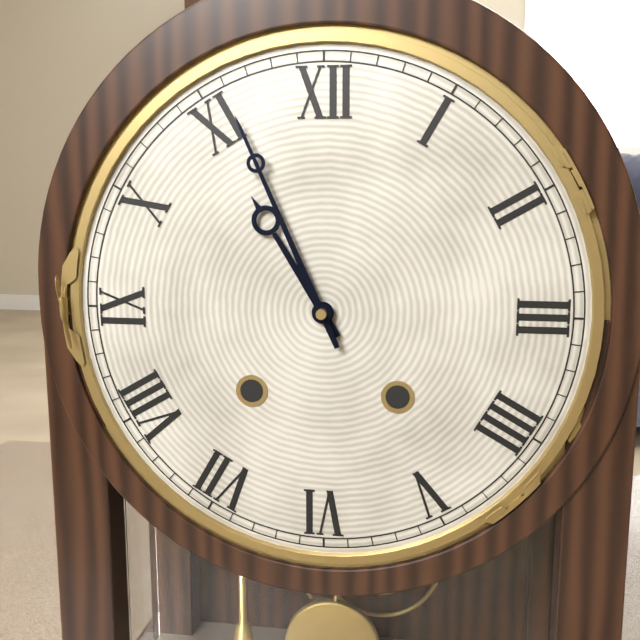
10:56
